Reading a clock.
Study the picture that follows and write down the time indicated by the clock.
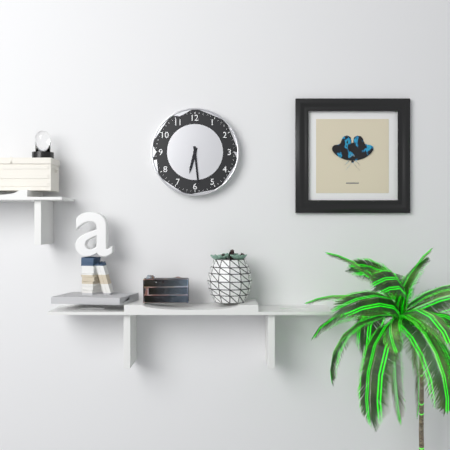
6:29
